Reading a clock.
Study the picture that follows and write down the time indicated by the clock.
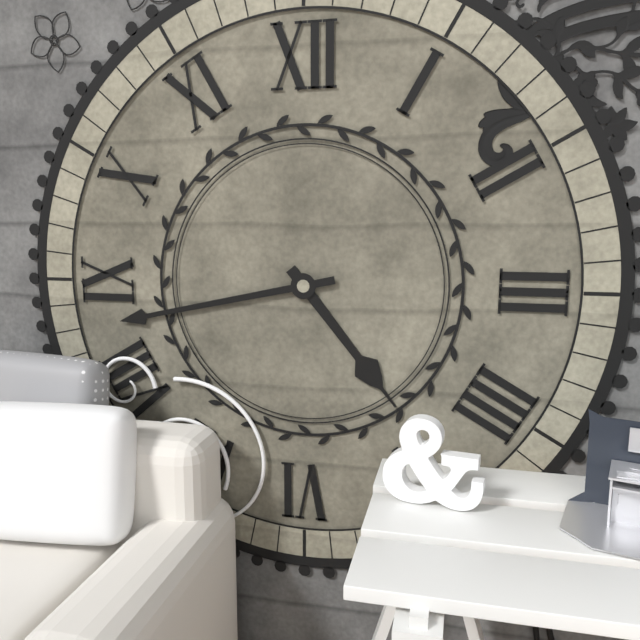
4:43
